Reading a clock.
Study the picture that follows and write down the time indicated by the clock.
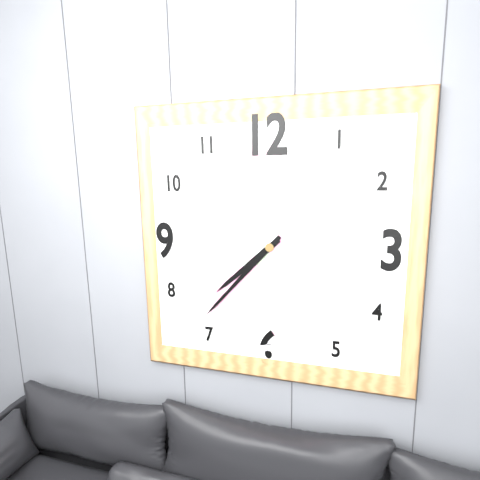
7:37
